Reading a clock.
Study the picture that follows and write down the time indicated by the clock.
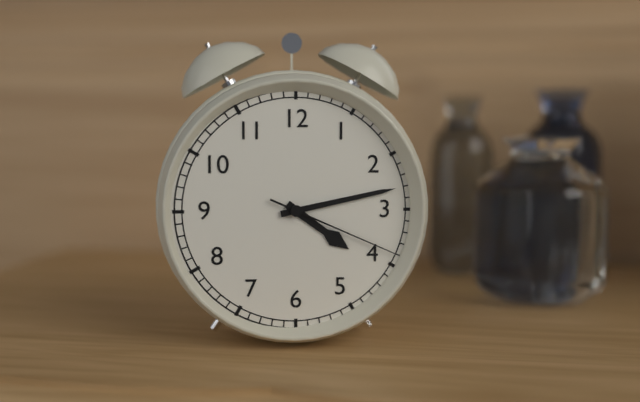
4:13:19
